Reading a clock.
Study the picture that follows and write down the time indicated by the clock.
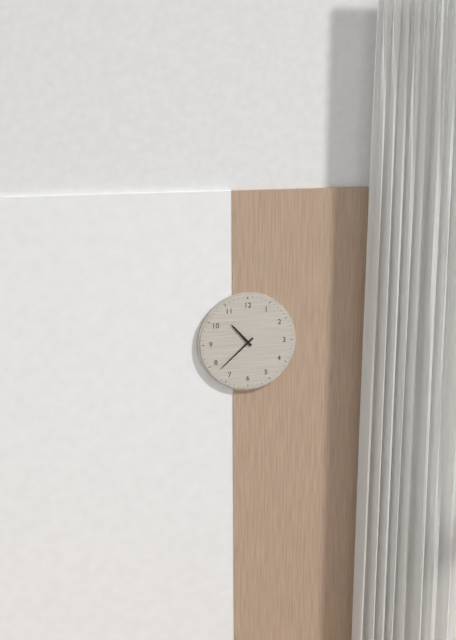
10:38
